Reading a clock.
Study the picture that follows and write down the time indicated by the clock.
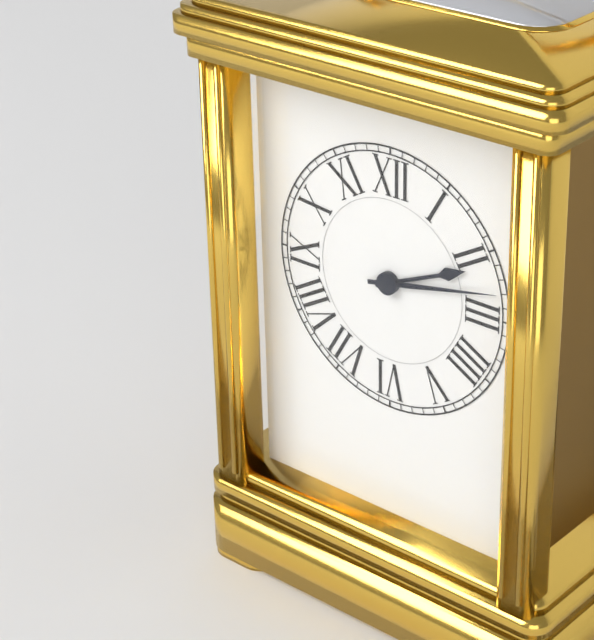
2:13
